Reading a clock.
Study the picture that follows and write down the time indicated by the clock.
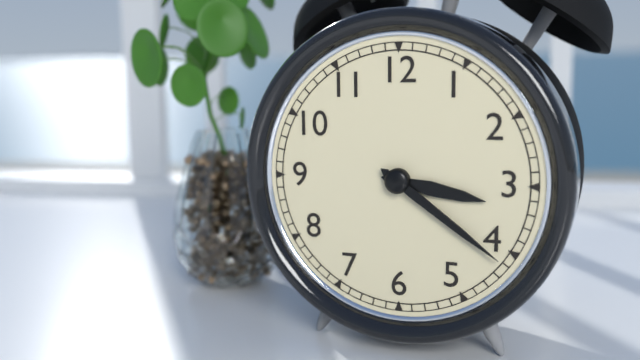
3:21
